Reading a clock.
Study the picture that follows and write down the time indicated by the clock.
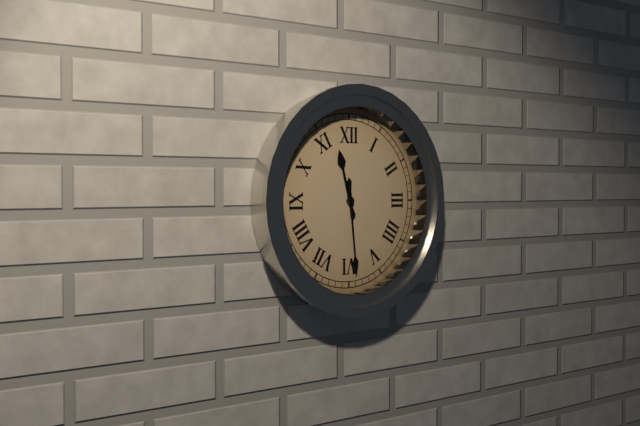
11:29
